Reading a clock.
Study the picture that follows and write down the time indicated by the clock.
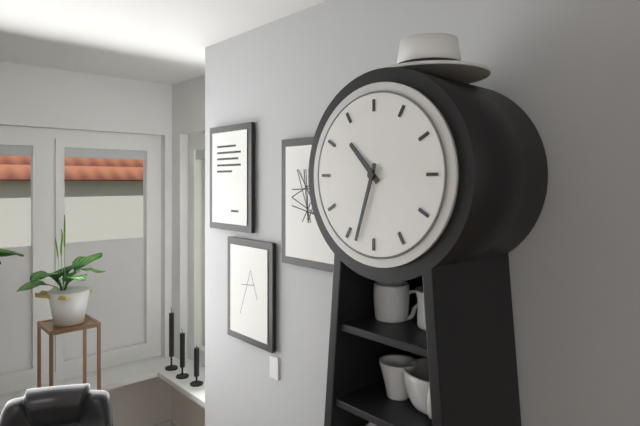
10:33
